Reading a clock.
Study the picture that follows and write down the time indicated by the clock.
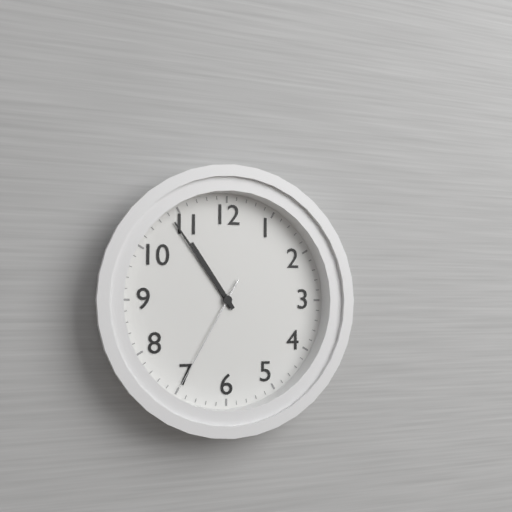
10:54:35
